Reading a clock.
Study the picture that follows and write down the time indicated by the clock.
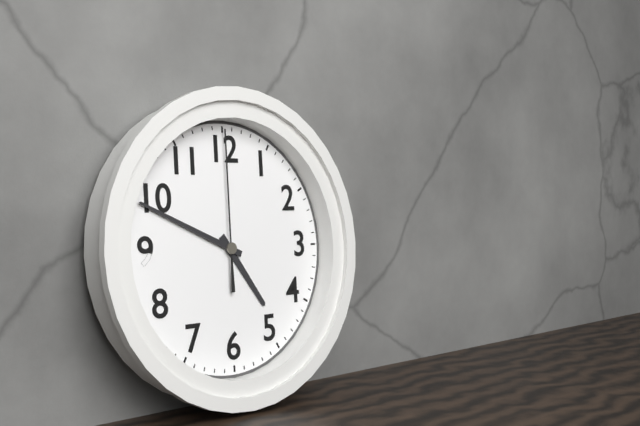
4:49:00
